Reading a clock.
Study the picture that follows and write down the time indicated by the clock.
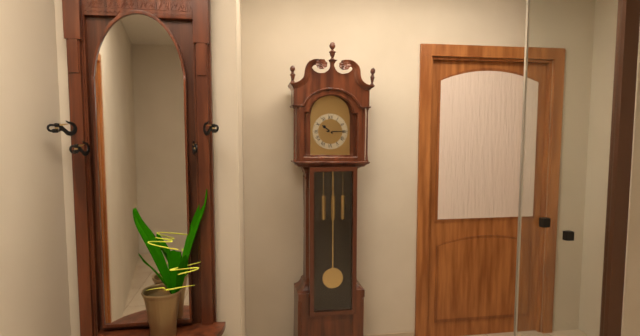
10:15
